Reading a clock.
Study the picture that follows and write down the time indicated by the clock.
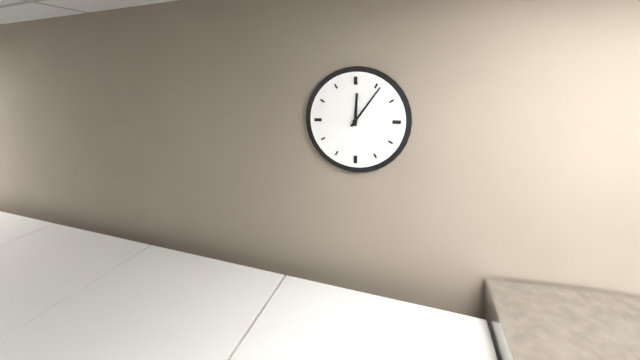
12:06
